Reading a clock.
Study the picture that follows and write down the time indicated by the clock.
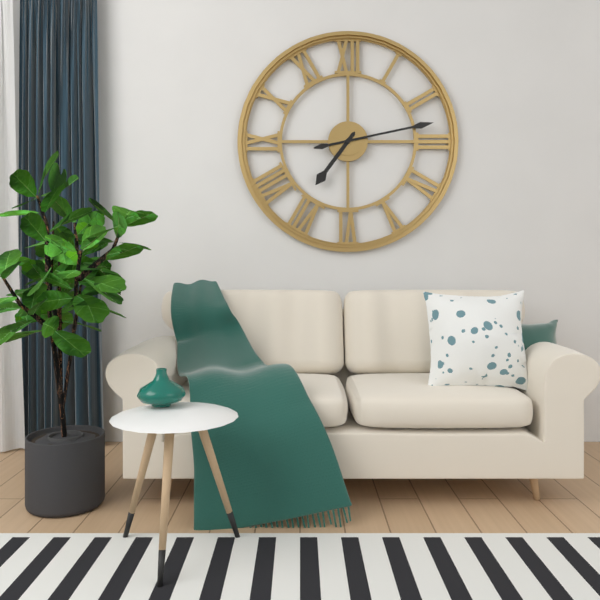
7:13
